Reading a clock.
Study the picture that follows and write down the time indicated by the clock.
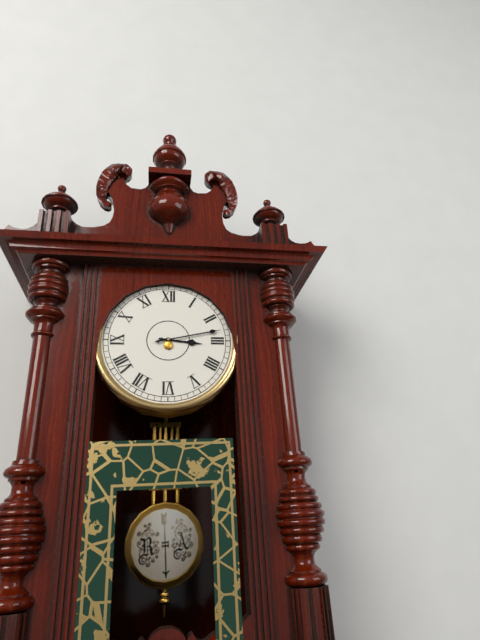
3:13
